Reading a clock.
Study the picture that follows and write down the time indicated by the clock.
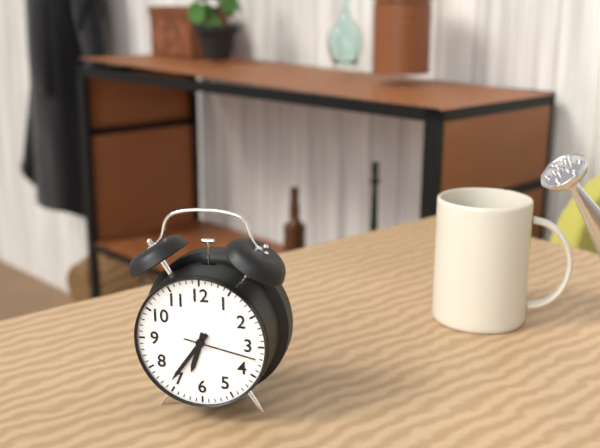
6:36:17
